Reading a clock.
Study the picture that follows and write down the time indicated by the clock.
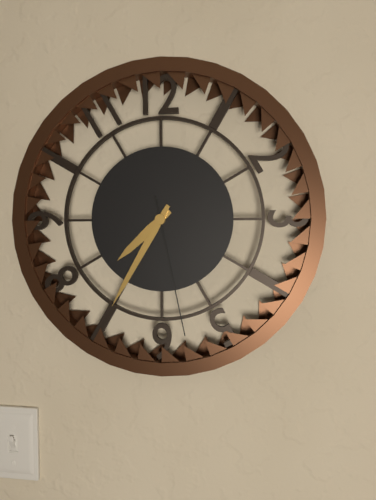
7:35:28
